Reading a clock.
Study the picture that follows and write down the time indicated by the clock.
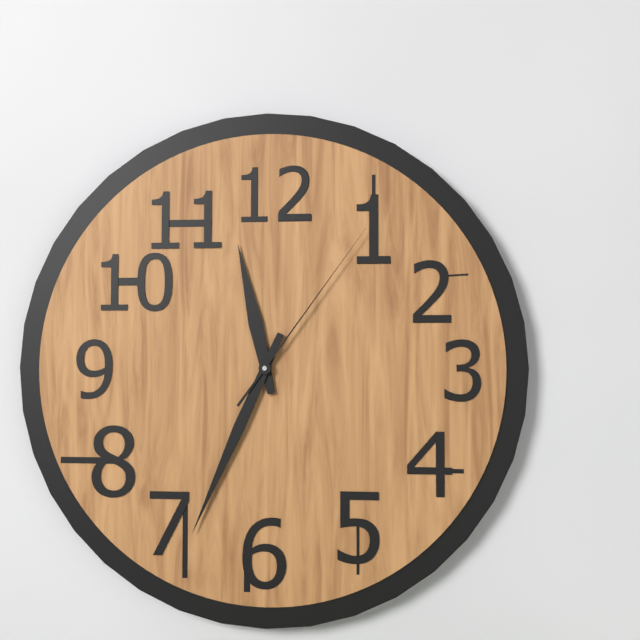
11:34:06
